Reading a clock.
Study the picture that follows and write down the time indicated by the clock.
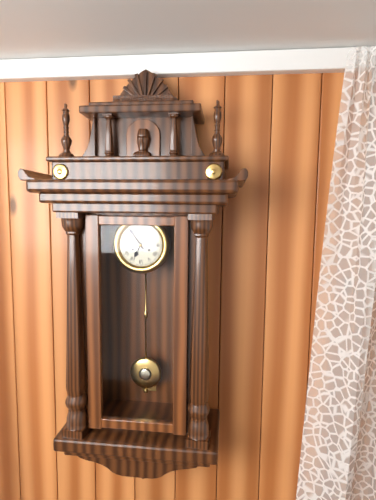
6:54
